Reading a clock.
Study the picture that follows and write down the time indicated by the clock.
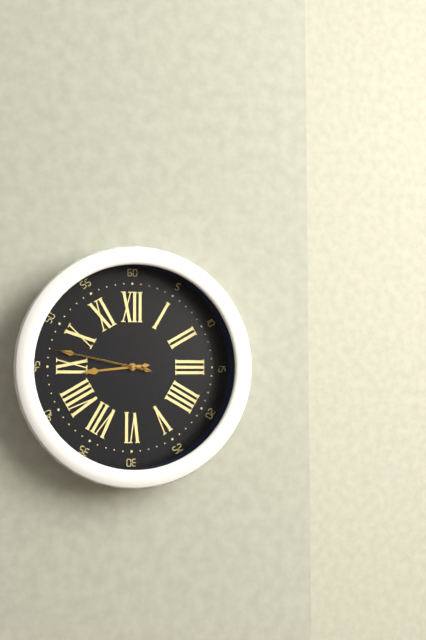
8:47:47
